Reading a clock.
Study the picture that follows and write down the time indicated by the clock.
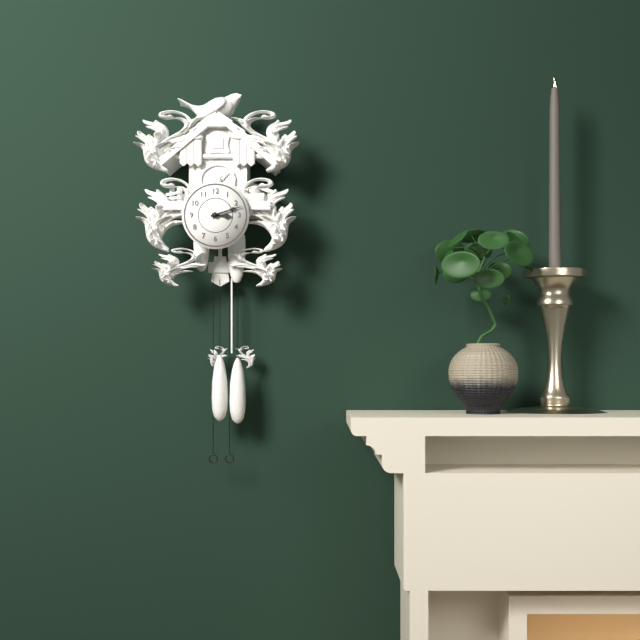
3:12
